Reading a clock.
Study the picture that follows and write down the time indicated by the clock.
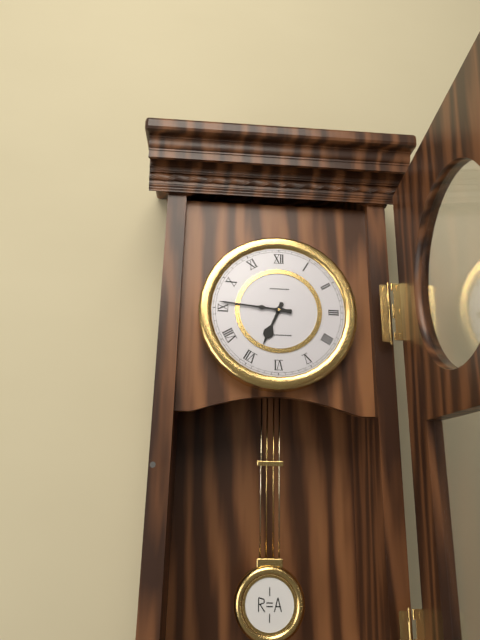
6:46
